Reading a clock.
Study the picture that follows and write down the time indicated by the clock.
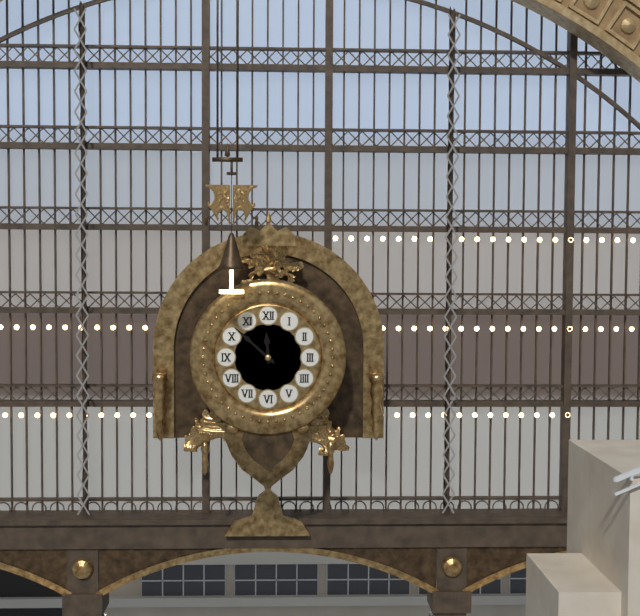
11:52
